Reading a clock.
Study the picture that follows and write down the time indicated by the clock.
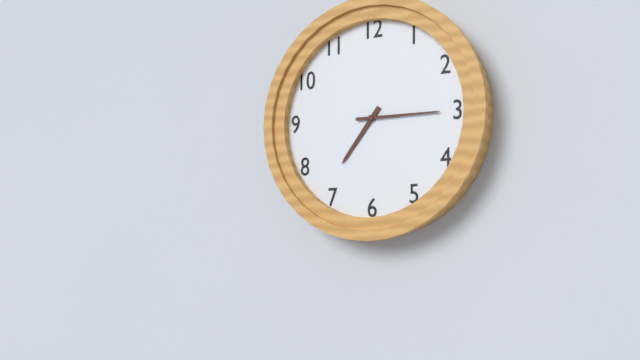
7:15
